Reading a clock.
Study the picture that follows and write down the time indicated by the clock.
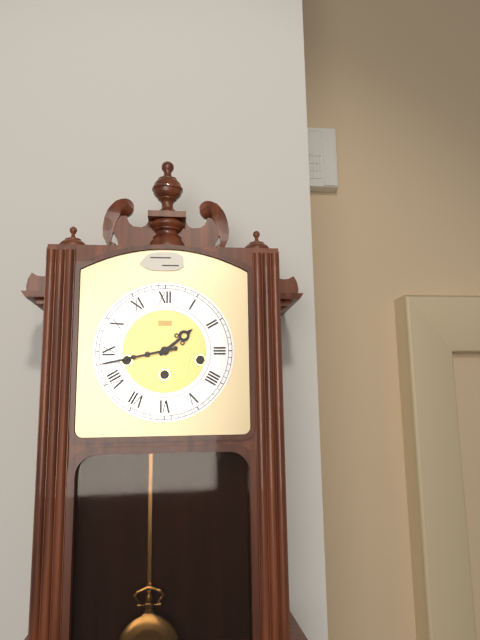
1:43
